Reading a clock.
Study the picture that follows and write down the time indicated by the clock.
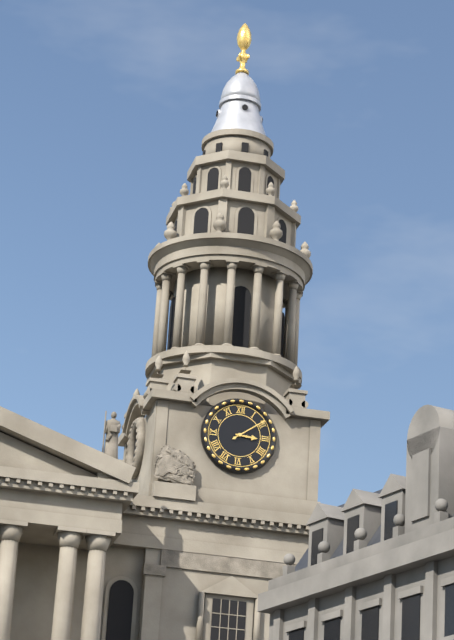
3:09
